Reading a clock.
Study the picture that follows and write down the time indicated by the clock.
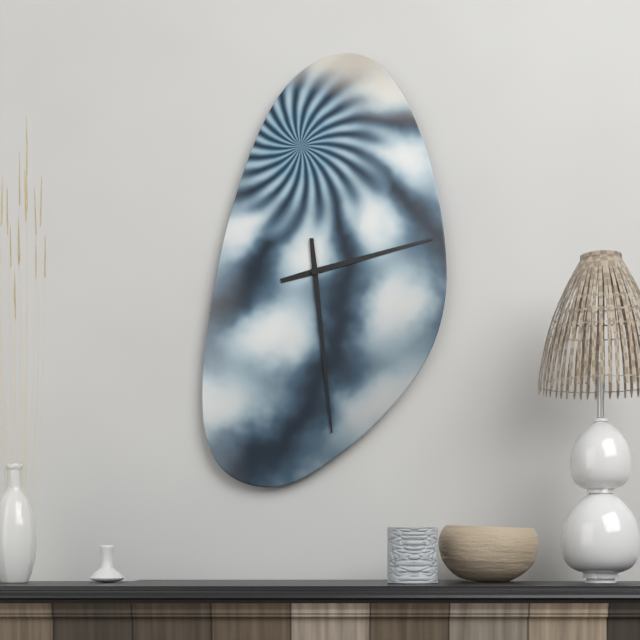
2:29
